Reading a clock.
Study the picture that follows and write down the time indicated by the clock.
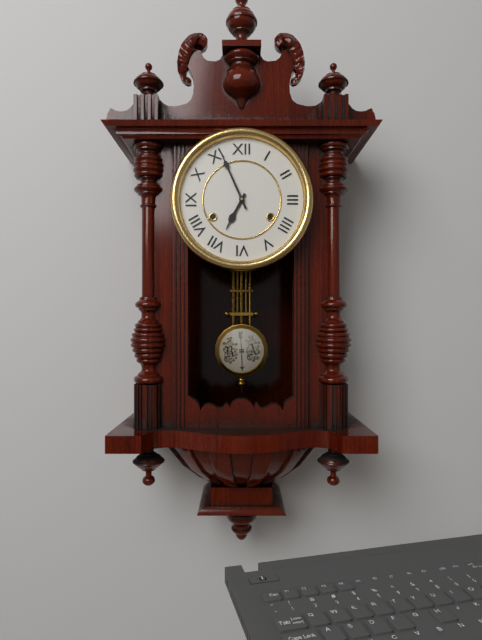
6:56
